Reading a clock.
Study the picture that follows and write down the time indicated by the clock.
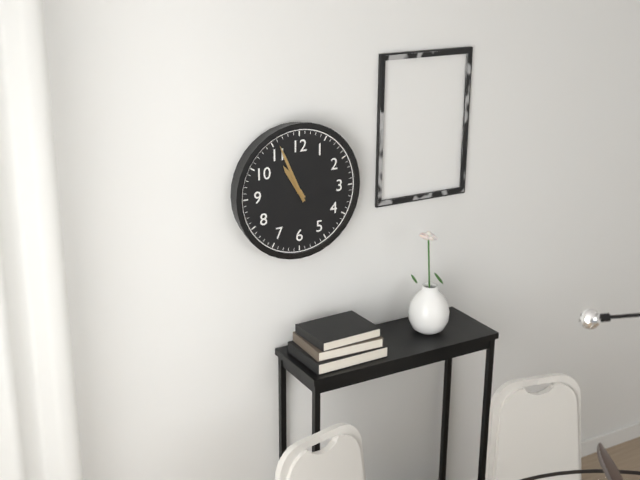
10:56
